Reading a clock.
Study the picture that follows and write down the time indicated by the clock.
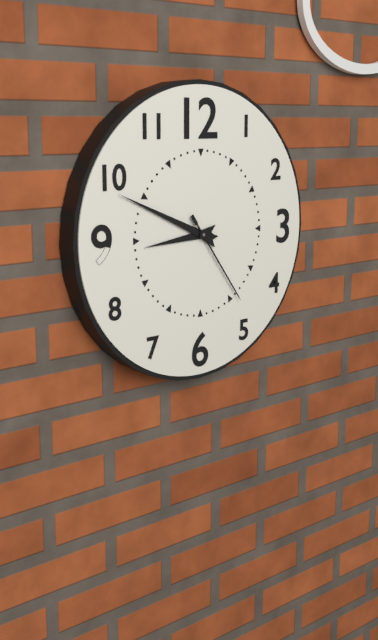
8:49:24
